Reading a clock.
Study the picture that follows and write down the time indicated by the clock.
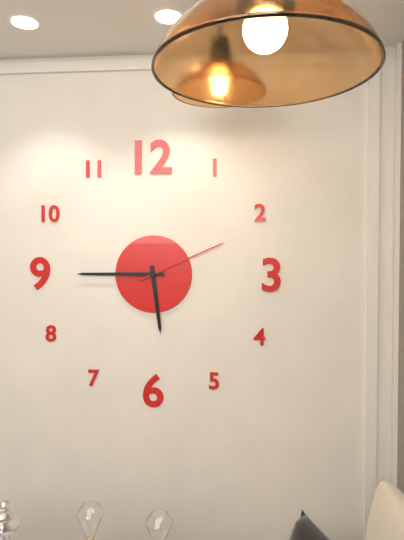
5:45:11
